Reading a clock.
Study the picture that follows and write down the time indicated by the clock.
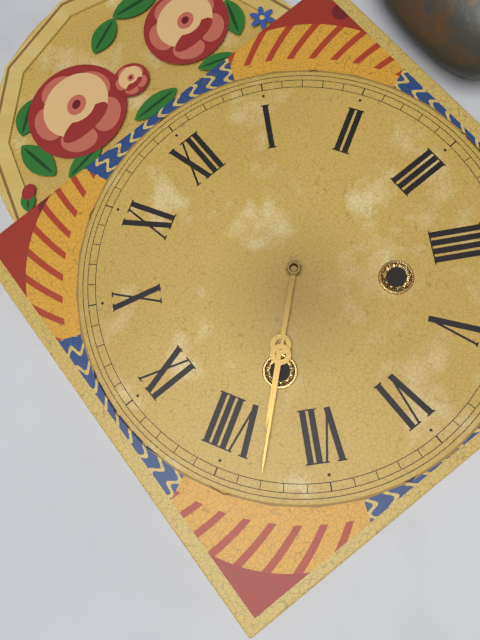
7:38
